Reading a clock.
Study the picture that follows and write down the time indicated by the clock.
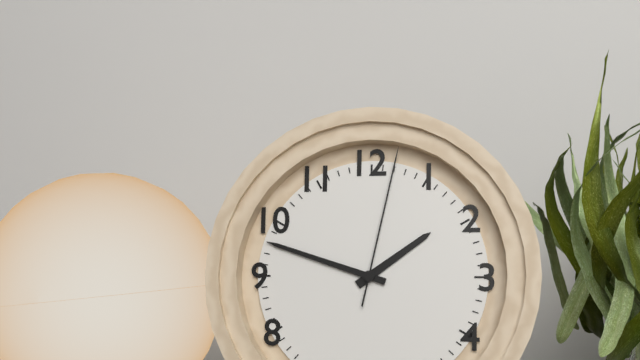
1:48:02
